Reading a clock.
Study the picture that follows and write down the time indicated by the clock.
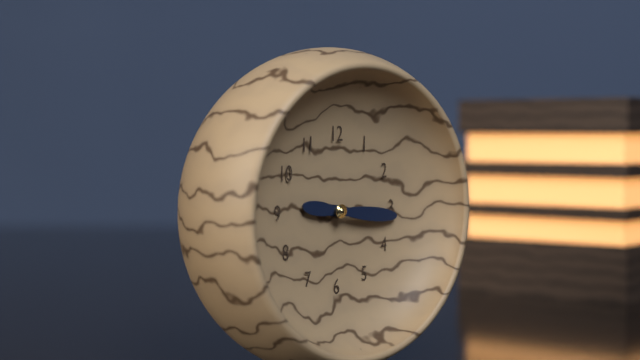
9:16
